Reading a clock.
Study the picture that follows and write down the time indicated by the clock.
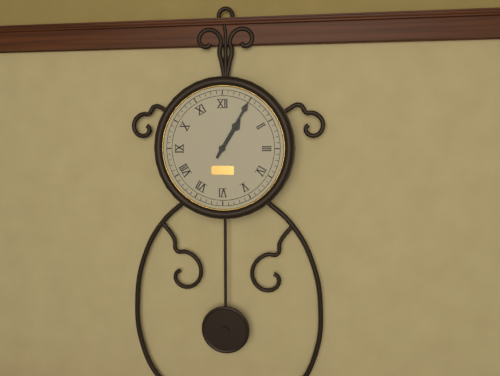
1:05
